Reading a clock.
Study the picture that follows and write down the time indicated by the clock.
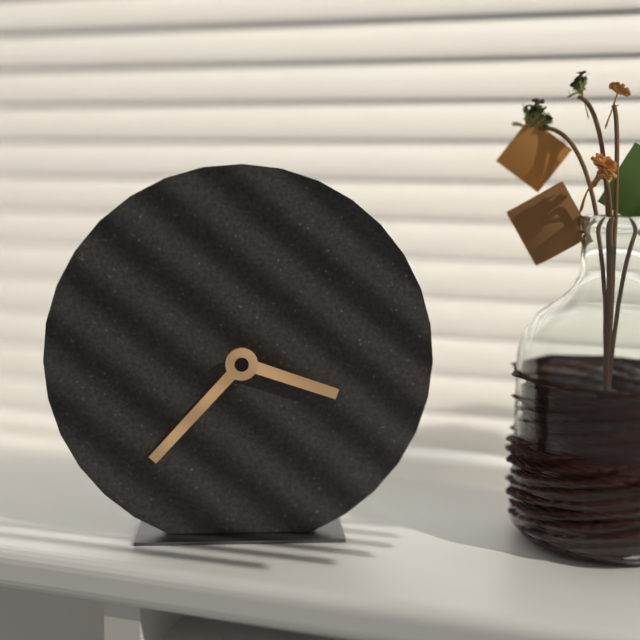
3:37
